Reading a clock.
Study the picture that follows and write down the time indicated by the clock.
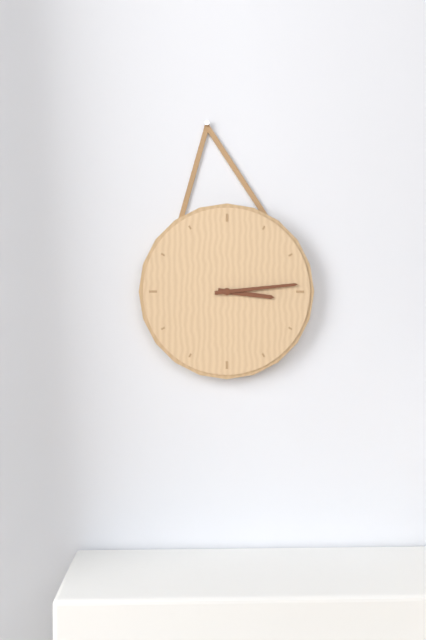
3:14
